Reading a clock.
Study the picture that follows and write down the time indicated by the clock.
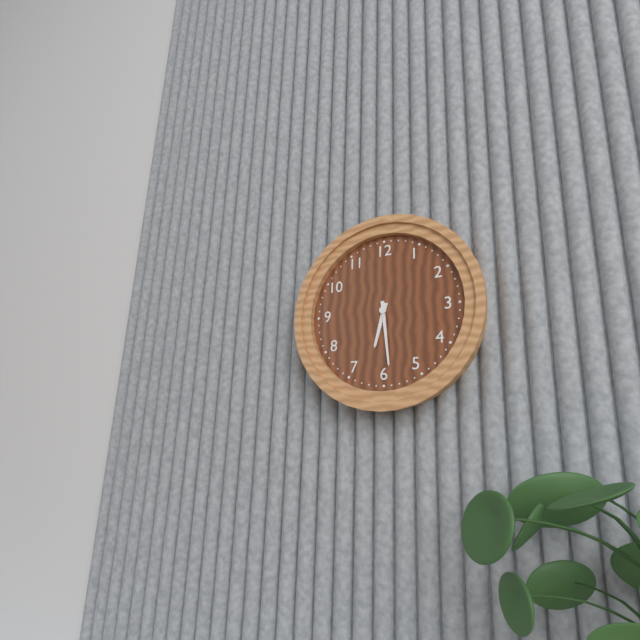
6:29
